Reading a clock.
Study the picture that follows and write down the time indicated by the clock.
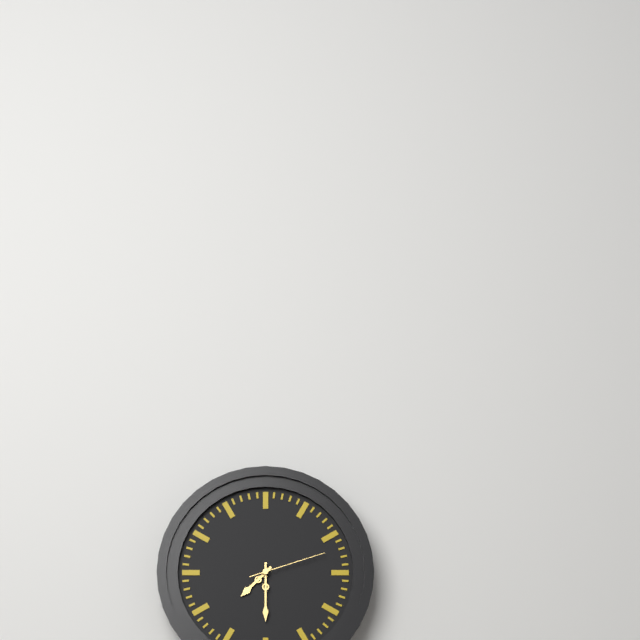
7:30:12
